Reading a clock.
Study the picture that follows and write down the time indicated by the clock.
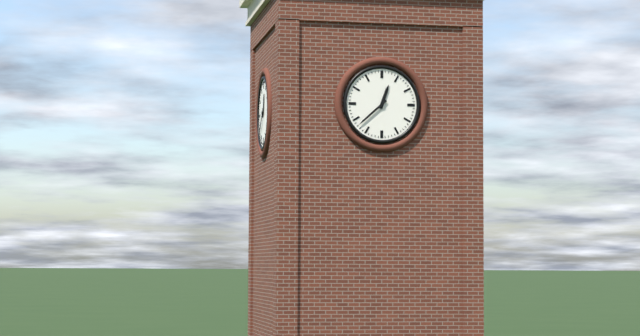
12:38
